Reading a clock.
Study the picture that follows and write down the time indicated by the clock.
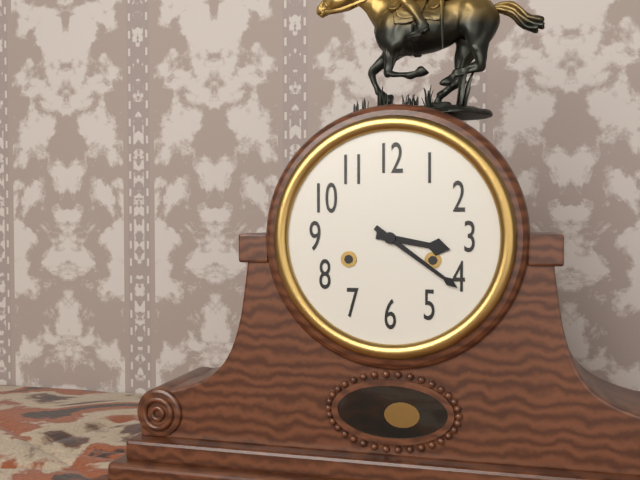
3:21
